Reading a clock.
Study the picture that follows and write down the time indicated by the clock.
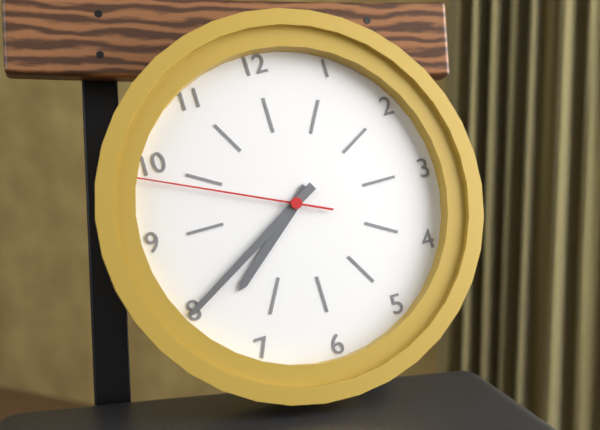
7:40:49
